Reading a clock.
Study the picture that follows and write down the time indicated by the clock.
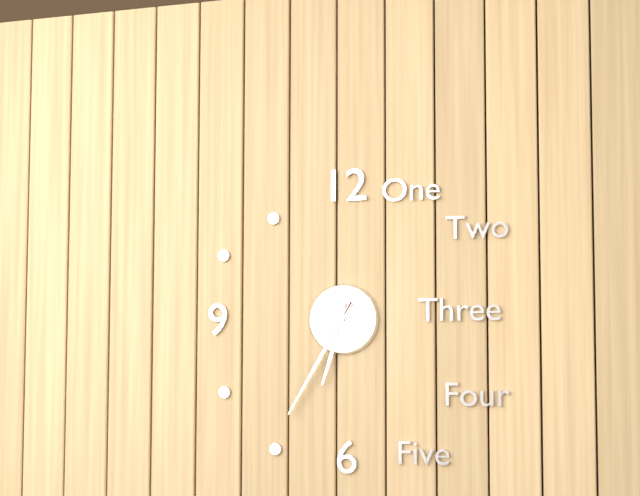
6:35
